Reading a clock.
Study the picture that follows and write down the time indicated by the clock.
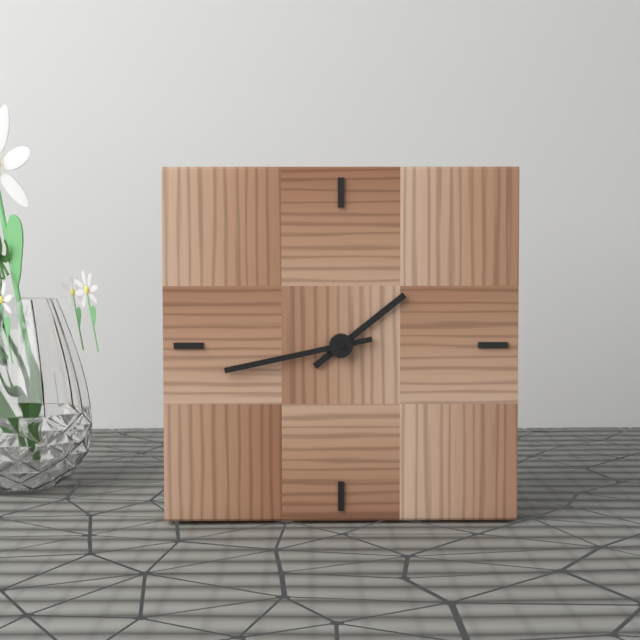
1:43
